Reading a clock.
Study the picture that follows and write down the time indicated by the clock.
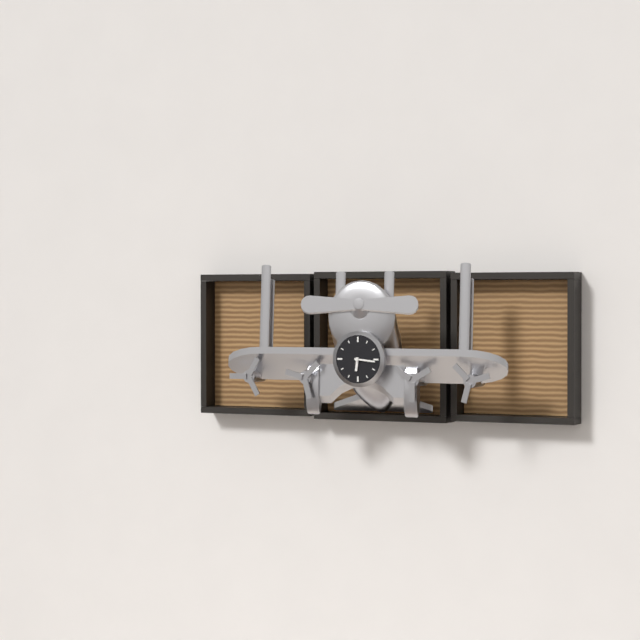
6:16
